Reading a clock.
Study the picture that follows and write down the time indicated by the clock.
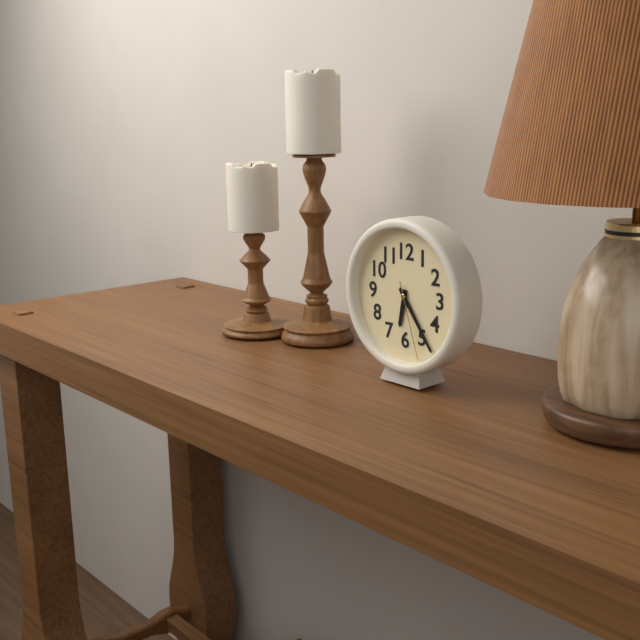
6:24:27
